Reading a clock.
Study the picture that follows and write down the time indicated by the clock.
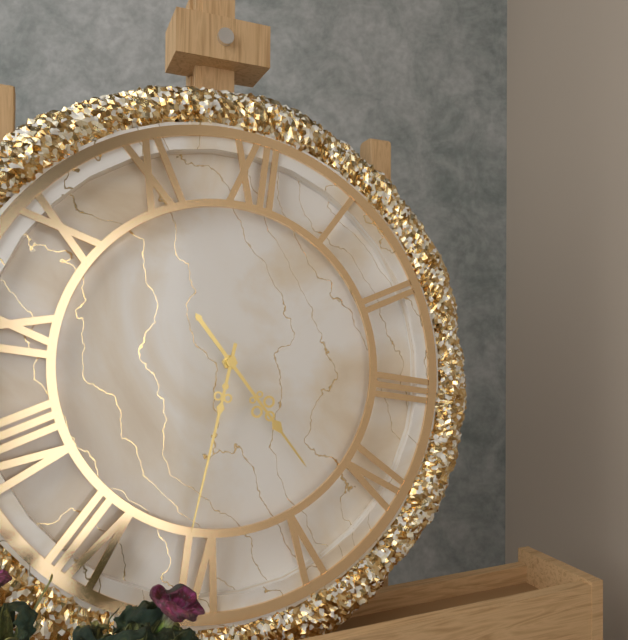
4:31
